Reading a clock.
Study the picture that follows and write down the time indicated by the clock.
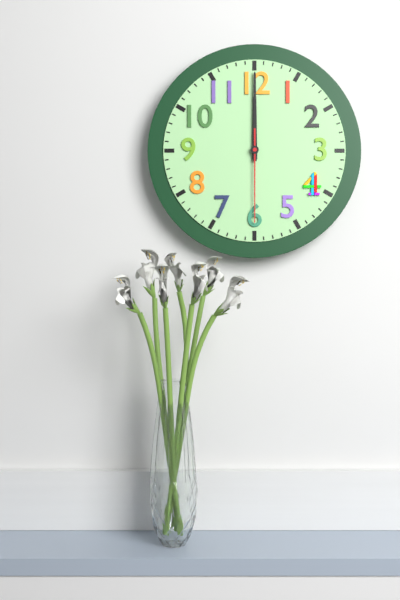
12:00:30
